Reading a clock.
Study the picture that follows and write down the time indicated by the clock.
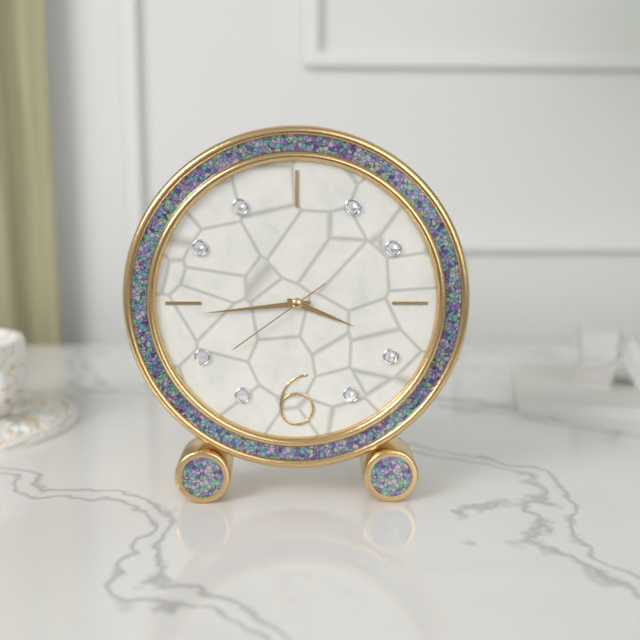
3:44:39
